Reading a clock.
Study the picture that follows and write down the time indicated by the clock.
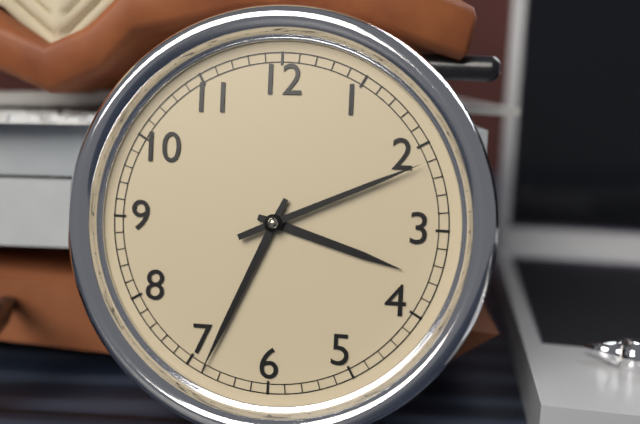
3:34:11
